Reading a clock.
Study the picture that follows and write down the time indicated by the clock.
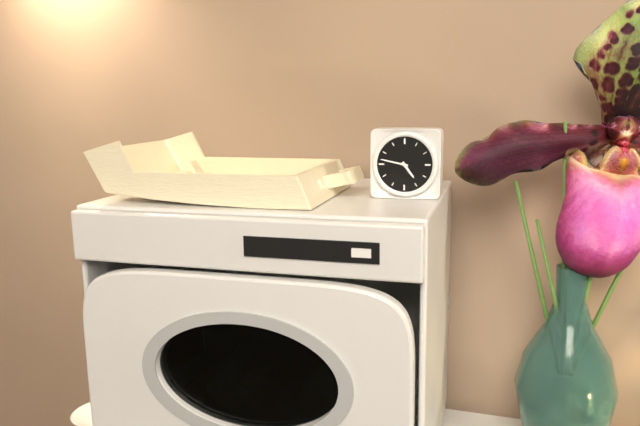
4:47
